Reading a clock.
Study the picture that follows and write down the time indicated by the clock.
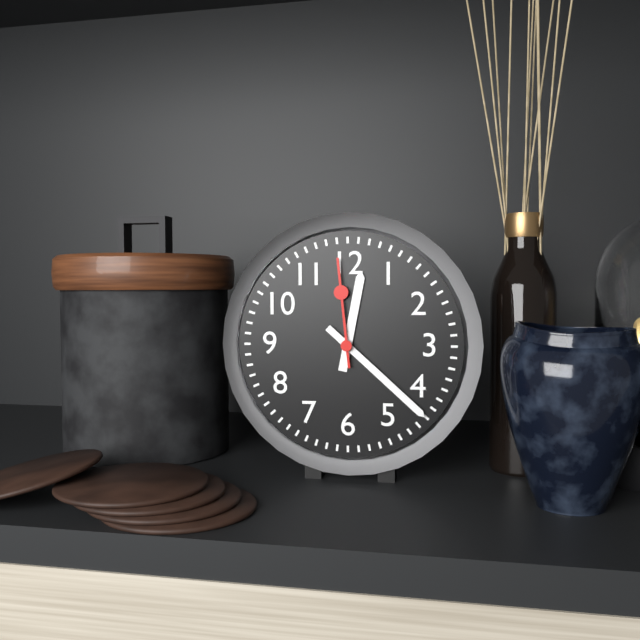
12:22:59
